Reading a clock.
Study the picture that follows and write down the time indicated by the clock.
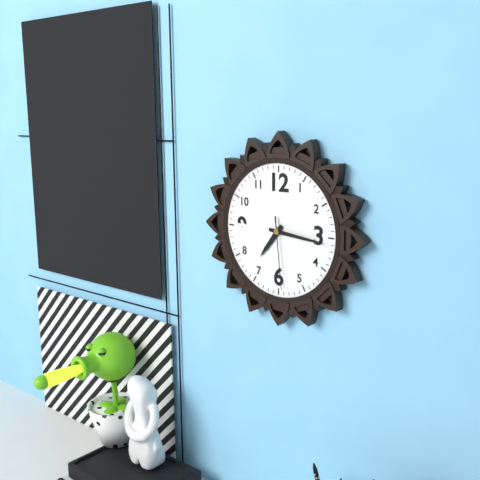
7:16:29
